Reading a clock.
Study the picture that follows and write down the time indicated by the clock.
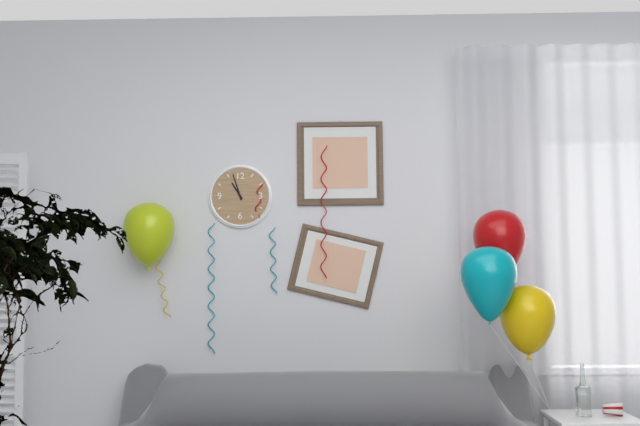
10:57
